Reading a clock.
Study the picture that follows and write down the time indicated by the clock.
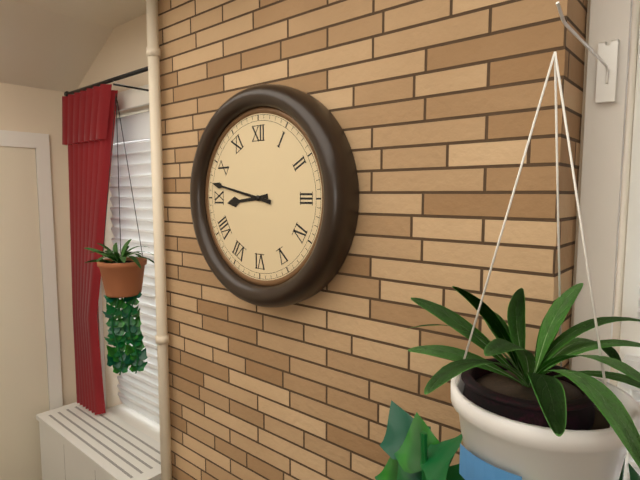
8:47
